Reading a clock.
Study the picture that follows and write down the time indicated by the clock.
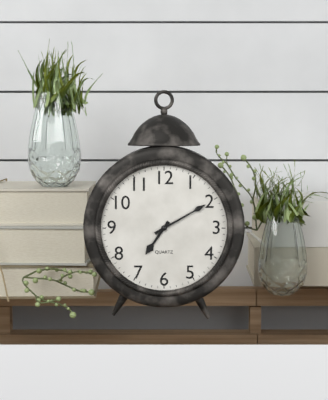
7:10
